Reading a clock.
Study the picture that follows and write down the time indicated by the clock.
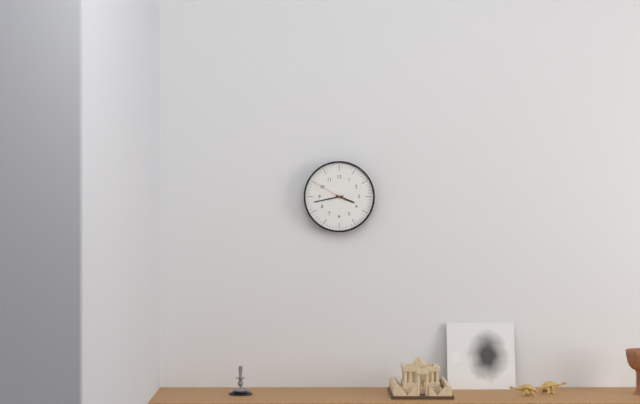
3:43
